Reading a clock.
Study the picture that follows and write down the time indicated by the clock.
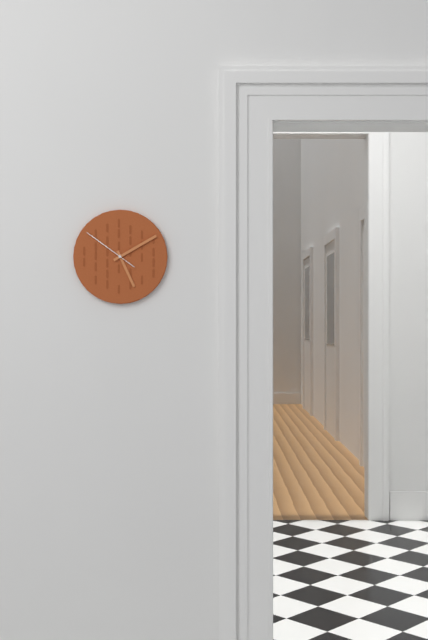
5:10:51
